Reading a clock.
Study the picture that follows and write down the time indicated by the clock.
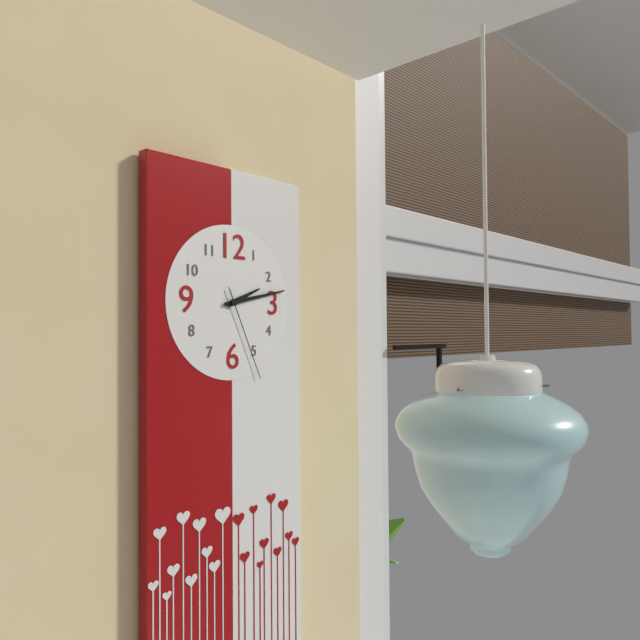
2:13:26
